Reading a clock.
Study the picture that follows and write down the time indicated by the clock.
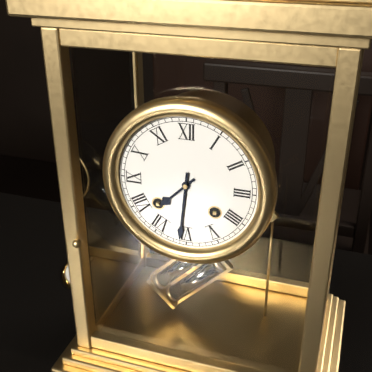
7:31
